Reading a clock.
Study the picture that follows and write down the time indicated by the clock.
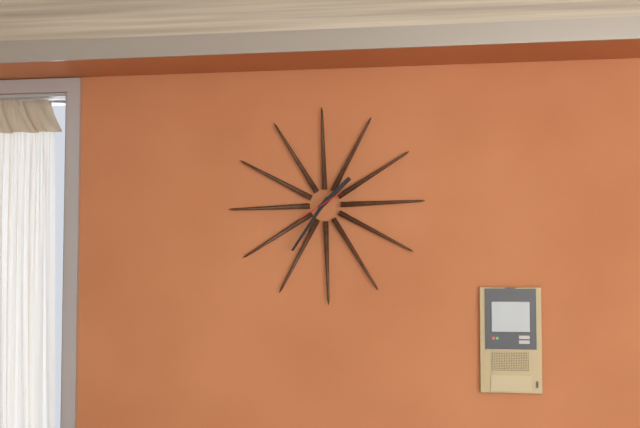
1:36
